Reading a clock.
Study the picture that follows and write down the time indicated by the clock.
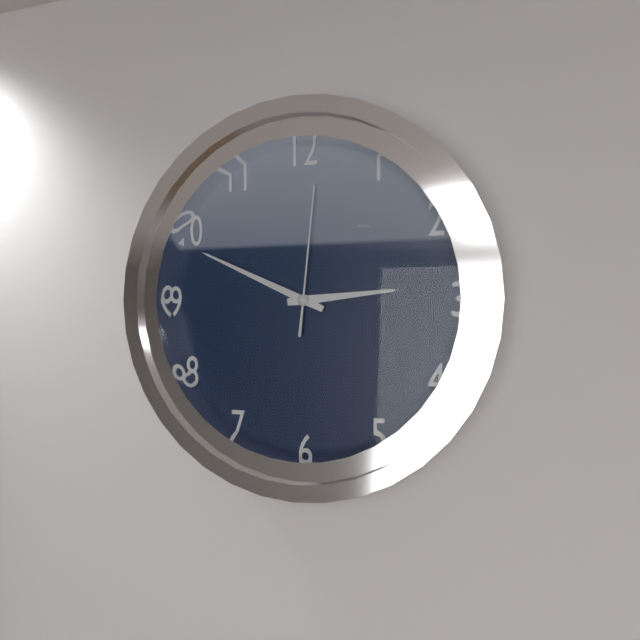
2:49:01
